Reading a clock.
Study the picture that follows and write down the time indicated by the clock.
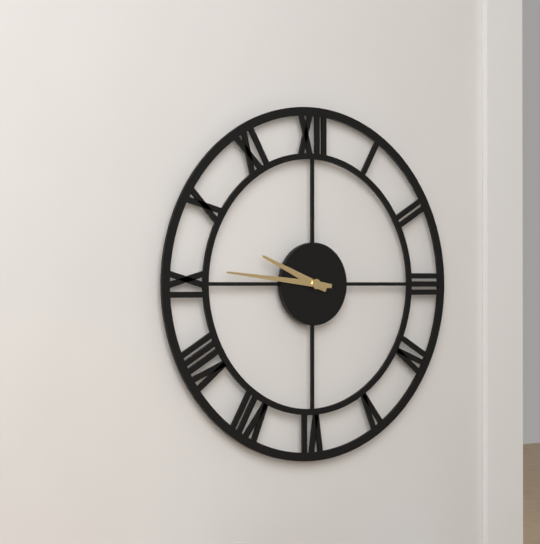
9:46
